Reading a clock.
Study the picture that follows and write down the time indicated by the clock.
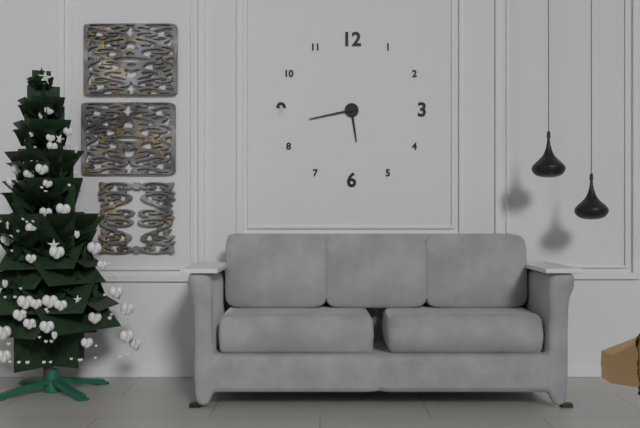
5:43
